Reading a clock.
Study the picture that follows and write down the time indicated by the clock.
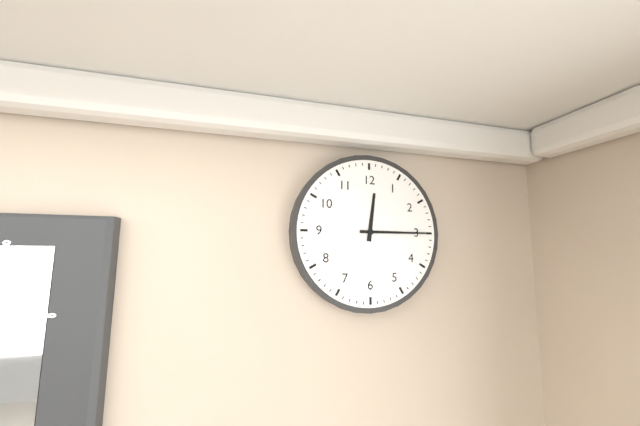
12:15
